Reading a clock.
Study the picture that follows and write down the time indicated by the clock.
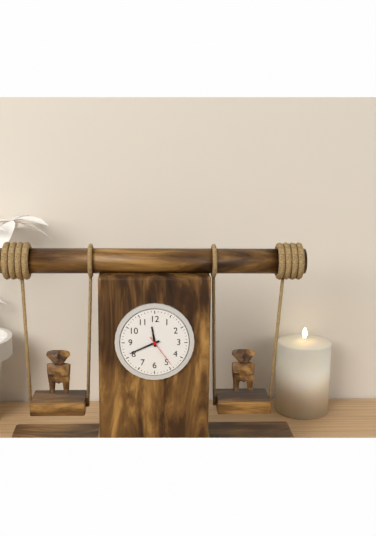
11:41
